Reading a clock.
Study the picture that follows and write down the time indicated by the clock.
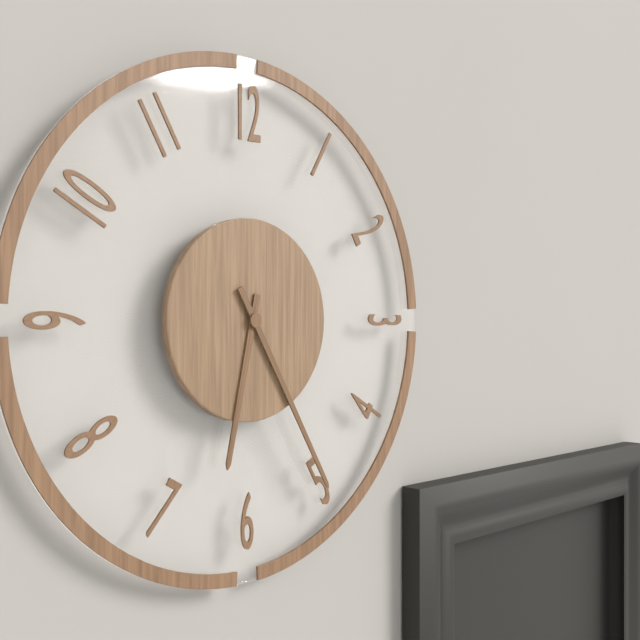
6:25
